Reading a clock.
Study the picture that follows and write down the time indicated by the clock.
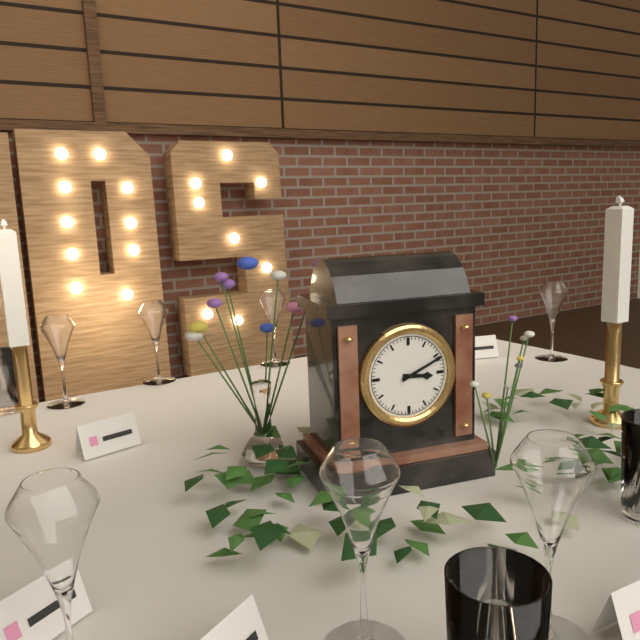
3:11
